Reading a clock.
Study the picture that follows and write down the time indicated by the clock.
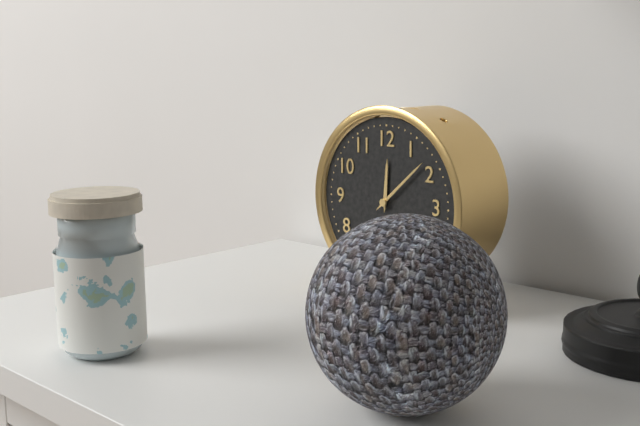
12:08
